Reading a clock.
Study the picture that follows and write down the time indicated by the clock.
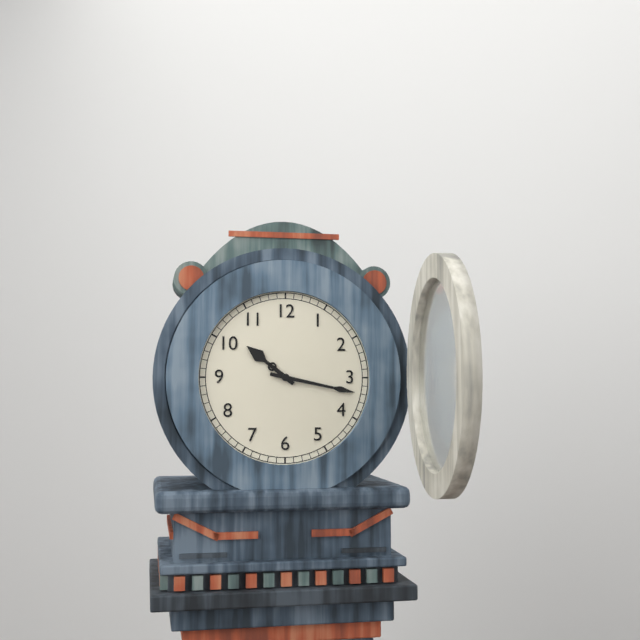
10:17
